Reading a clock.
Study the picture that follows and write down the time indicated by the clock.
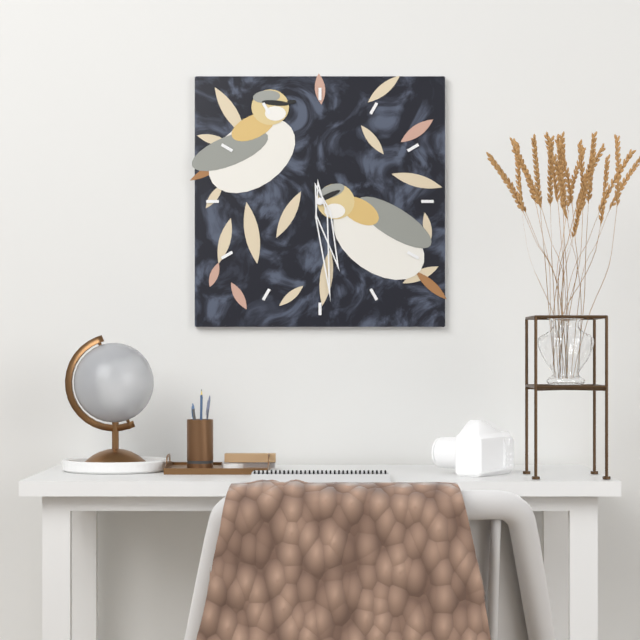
5:29
